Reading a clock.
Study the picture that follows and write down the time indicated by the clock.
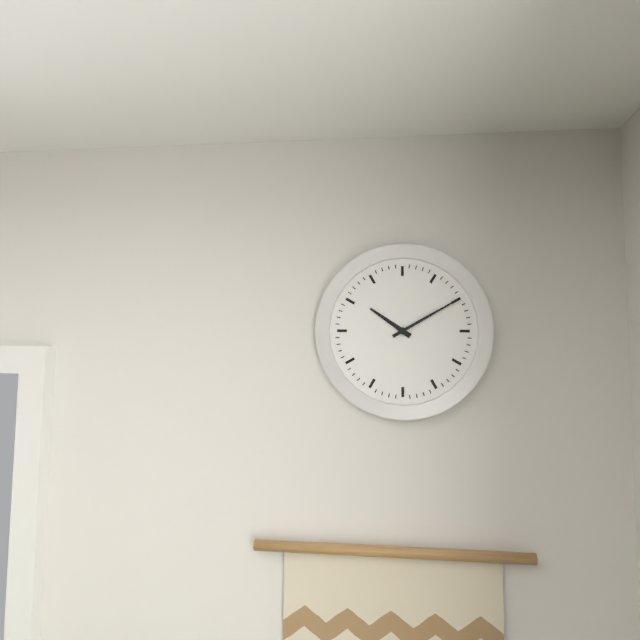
10:10
